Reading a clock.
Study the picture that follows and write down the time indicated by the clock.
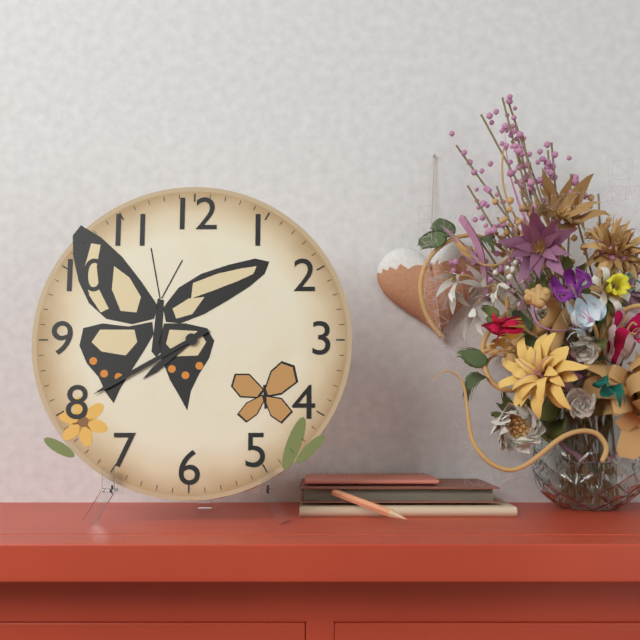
7:40
